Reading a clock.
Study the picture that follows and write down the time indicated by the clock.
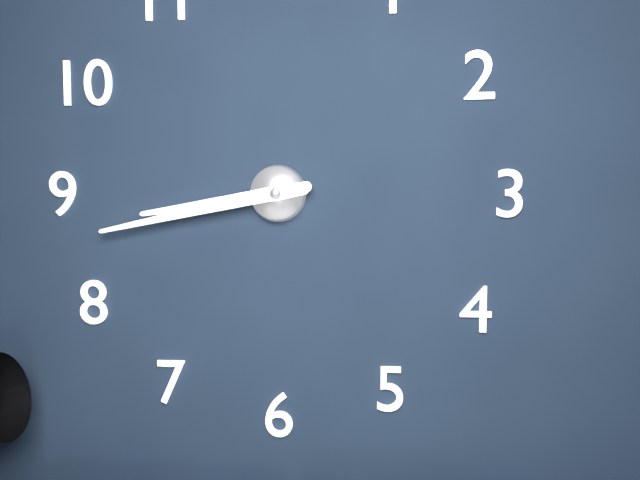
8:43
